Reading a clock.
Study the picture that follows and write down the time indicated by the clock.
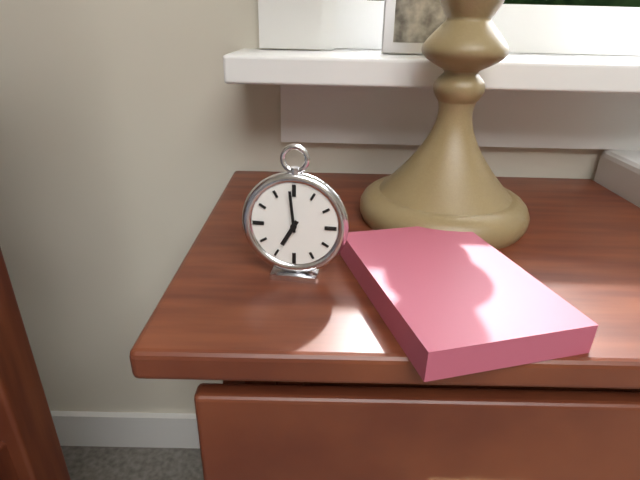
6:59
